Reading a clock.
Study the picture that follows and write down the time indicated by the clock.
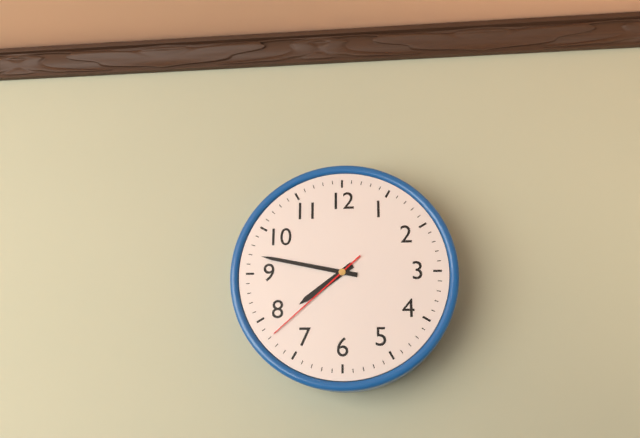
7:47:38
